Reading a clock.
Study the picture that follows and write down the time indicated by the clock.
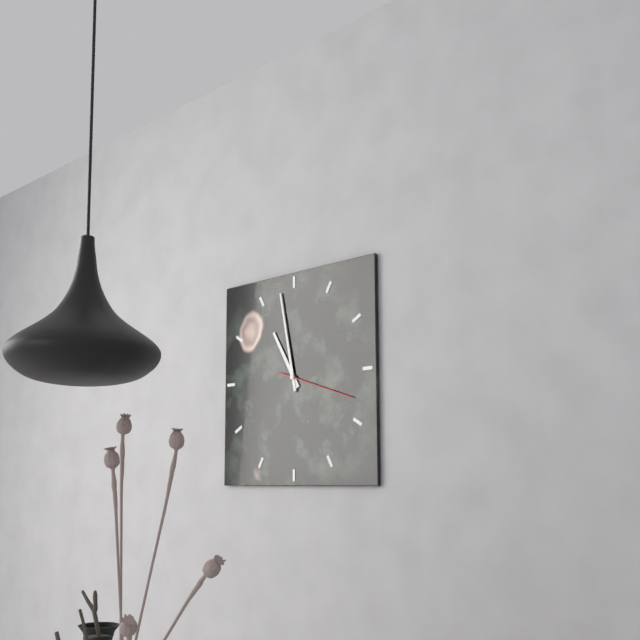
10:58:18
